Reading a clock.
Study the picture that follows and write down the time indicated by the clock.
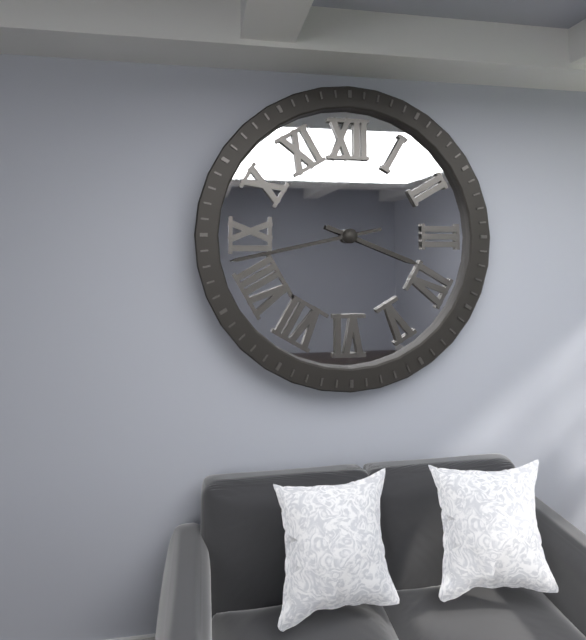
3:43
